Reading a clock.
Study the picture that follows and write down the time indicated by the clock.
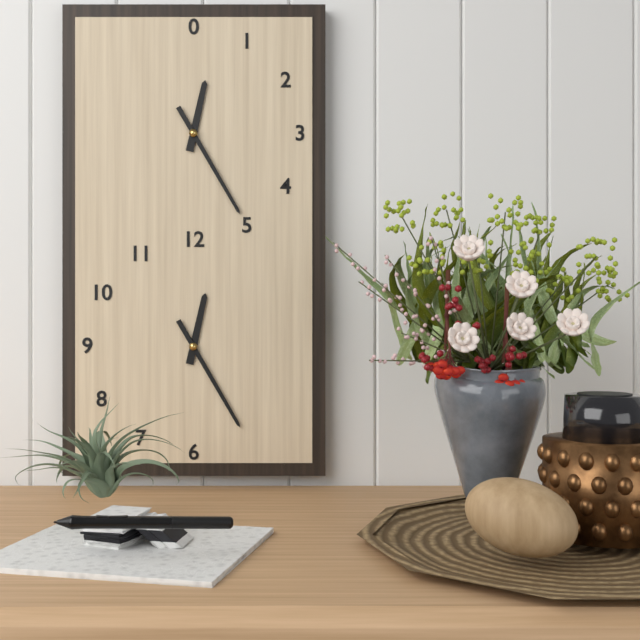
12:25
